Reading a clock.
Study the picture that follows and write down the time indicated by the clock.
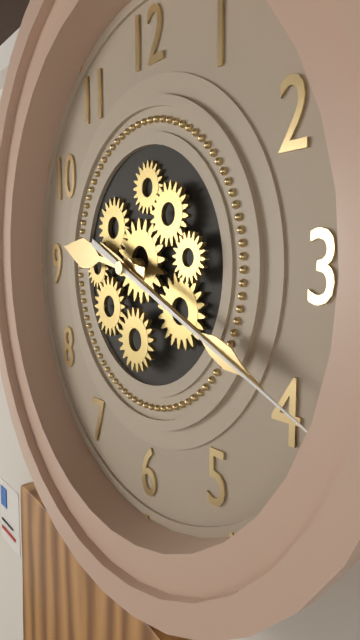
9:19:19
